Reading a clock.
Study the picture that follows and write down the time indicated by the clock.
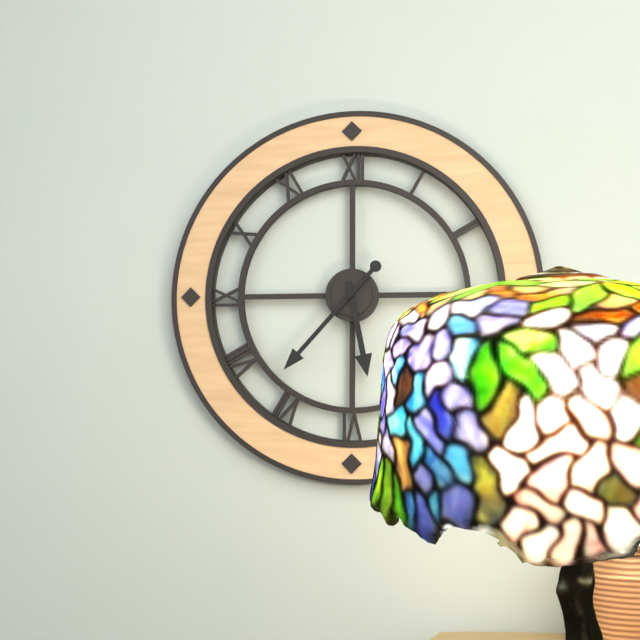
5:37
